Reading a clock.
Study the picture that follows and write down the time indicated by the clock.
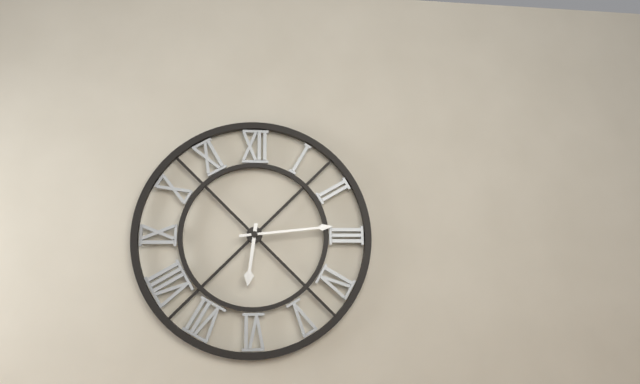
6:14
